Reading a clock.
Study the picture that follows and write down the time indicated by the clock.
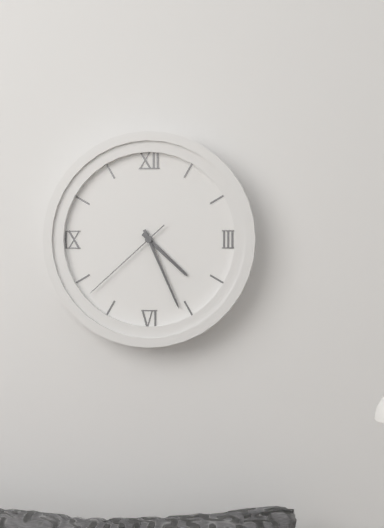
4:26:38
